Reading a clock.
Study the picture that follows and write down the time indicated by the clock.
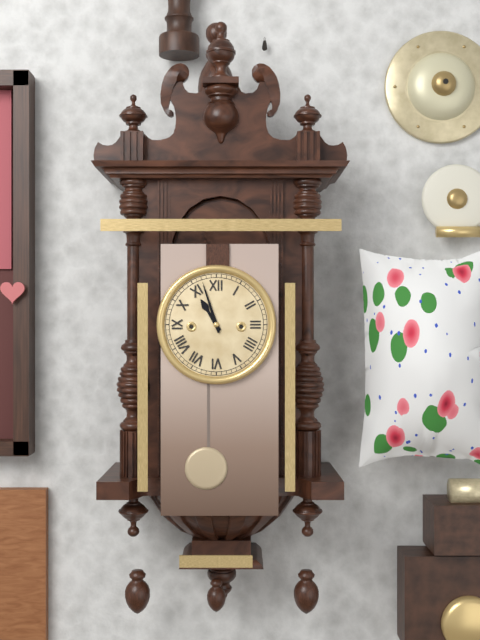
10:57
